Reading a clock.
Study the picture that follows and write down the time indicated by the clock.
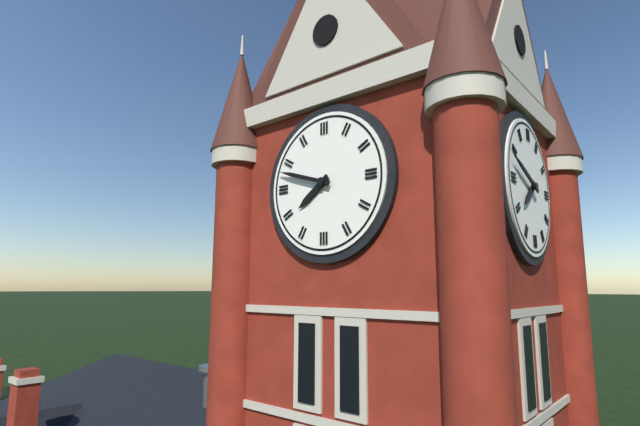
7:48
